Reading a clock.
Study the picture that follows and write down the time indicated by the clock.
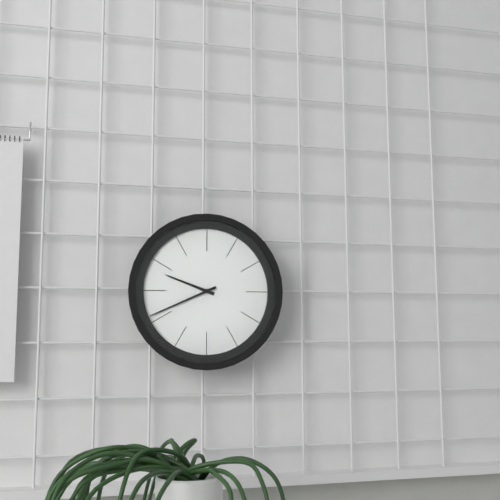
9:41
